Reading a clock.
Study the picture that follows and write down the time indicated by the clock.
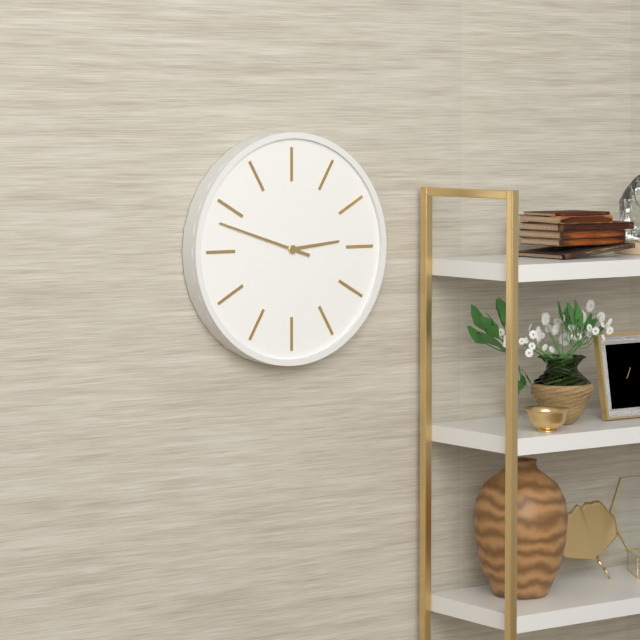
2:48
